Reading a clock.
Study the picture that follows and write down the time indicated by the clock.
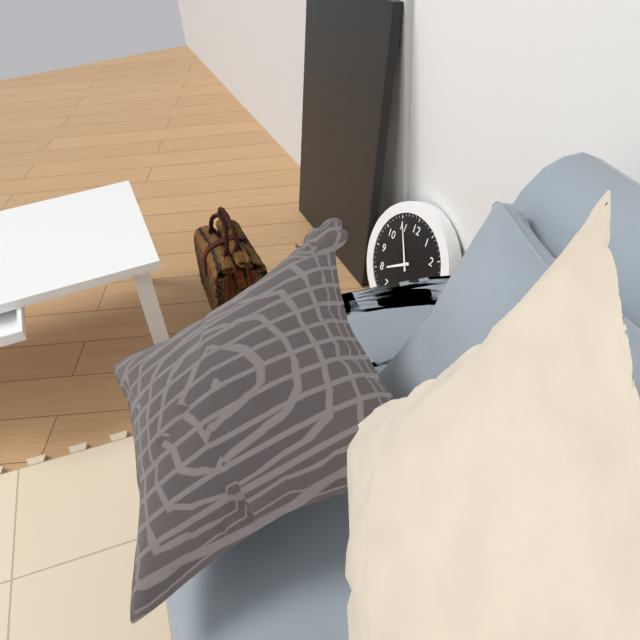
7:55
